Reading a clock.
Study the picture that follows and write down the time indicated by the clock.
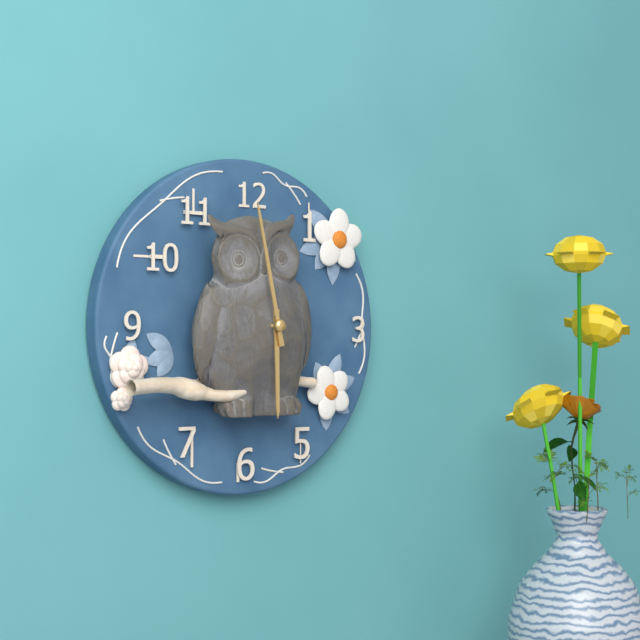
5:58
